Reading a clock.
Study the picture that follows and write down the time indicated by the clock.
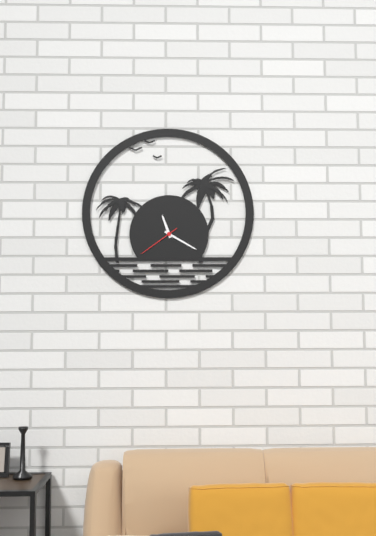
11:20
